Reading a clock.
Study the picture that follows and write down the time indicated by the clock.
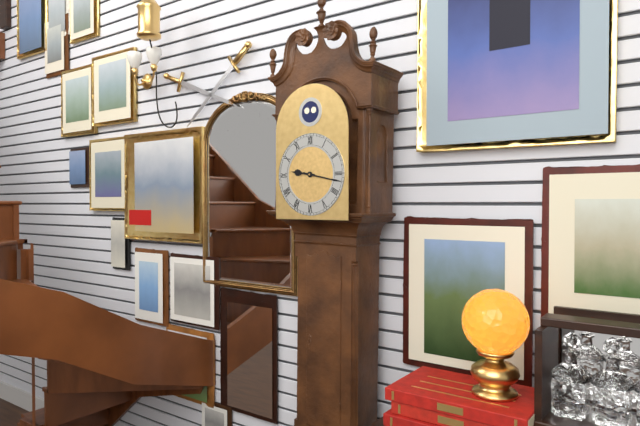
9:17
